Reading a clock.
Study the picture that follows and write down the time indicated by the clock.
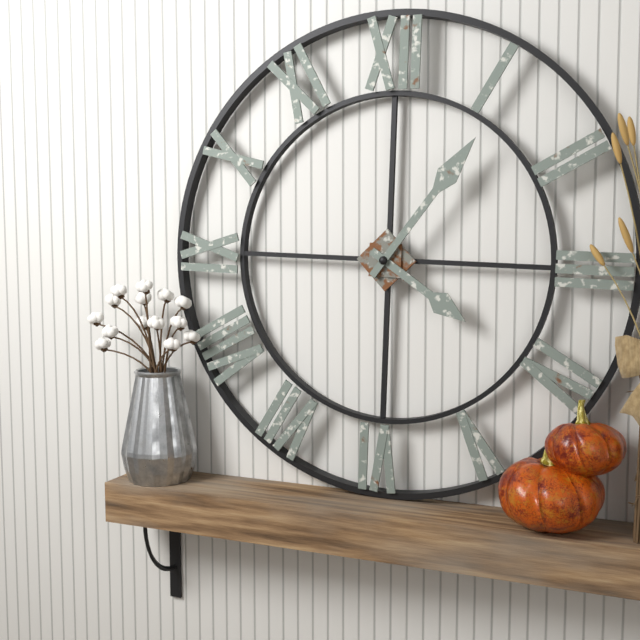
4:06
